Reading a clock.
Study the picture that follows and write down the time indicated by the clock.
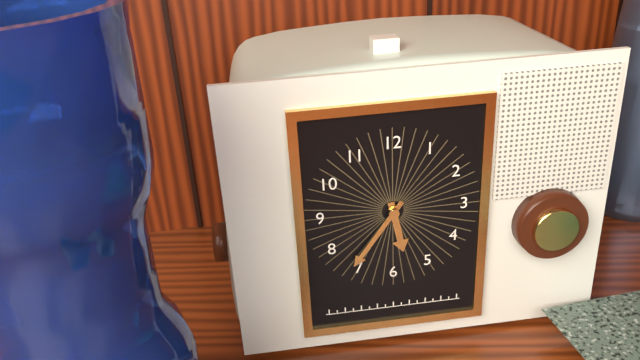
5:36
